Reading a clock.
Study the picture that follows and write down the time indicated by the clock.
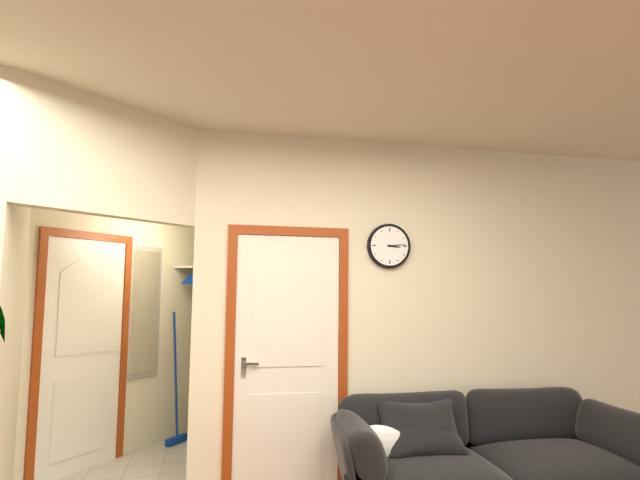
3:14
